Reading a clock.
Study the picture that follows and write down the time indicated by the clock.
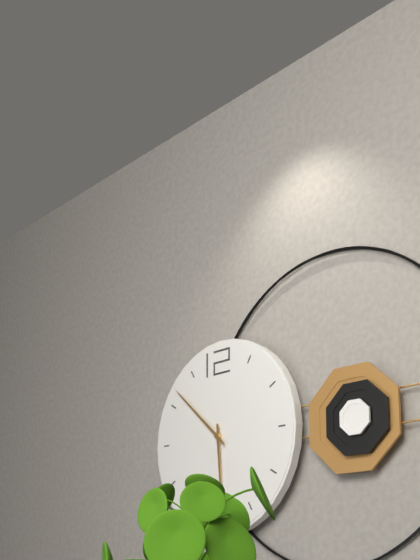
5:52
